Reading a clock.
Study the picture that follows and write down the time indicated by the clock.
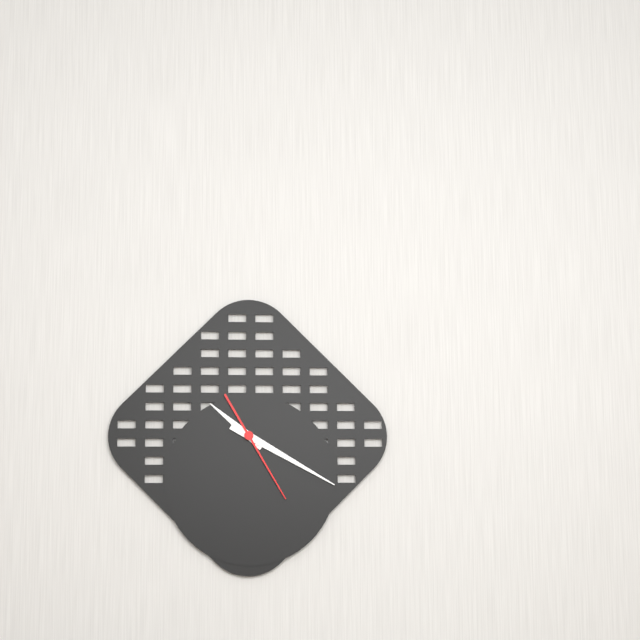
10:20:25
